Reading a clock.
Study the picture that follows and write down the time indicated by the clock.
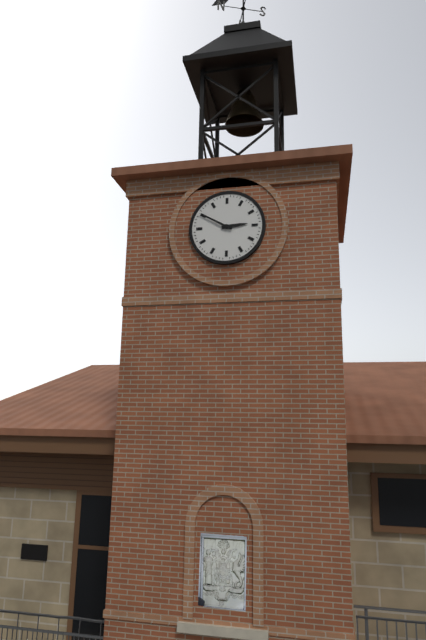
2:50
